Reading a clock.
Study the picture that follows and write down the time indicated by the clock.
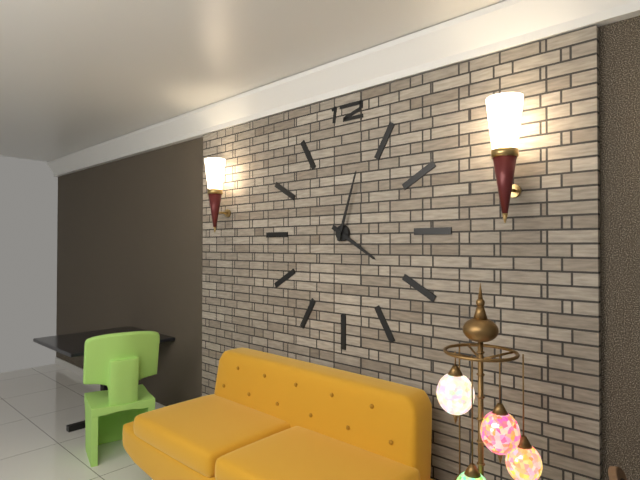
4:03
